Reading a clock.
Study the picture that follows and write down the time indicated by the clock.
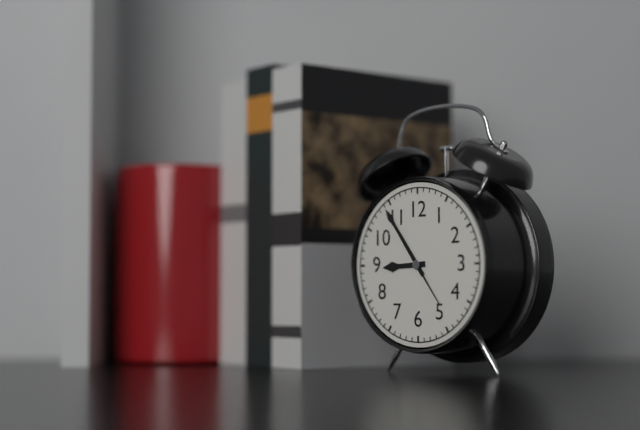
8:54:24
